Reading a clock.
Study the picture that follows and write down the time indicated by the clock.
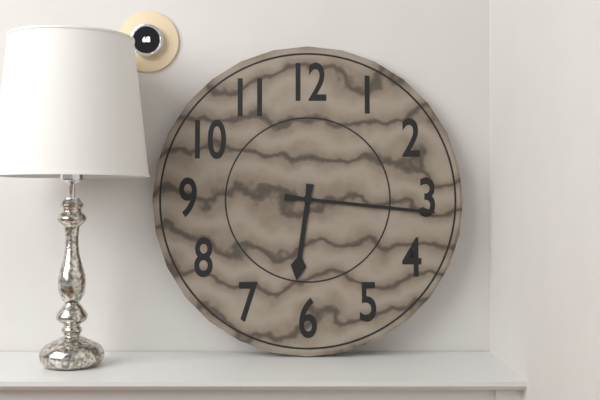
6:16
